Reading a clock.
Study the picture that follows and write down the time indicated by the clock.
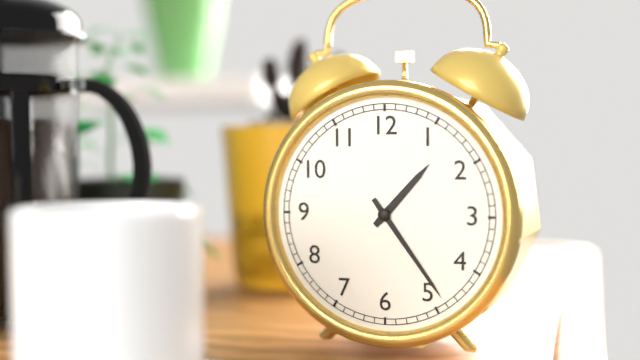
1:24
